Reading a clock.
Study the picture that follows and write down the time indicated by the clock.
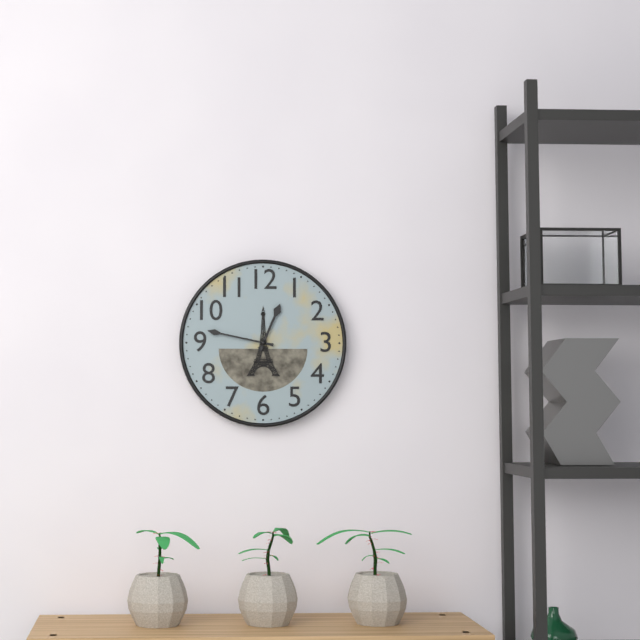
12:47
